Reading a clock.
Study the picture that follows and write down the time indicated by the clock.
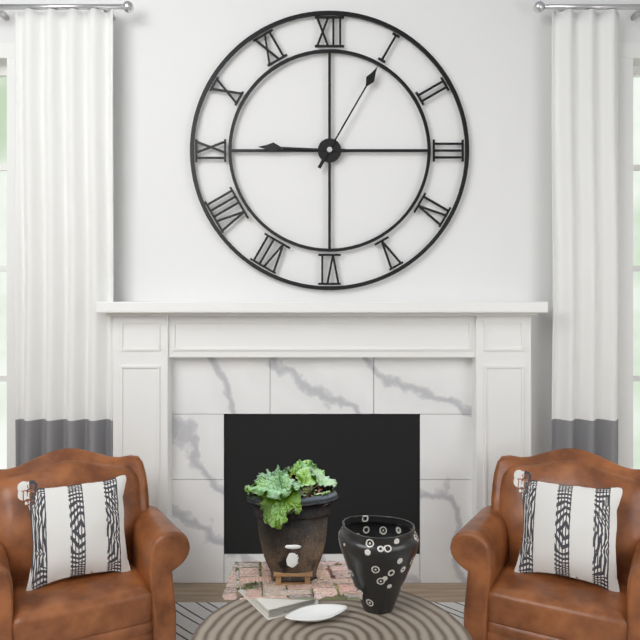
9:05
